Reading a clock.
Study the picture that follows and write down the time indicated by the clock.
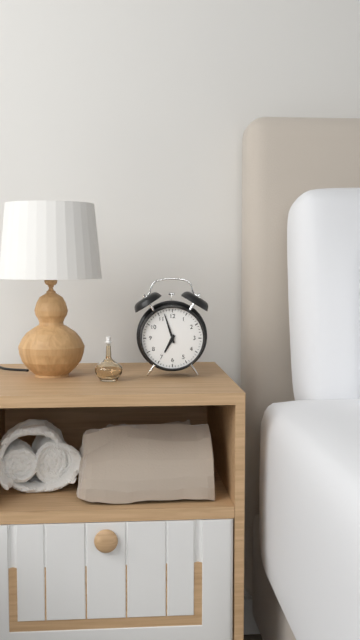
6:57
